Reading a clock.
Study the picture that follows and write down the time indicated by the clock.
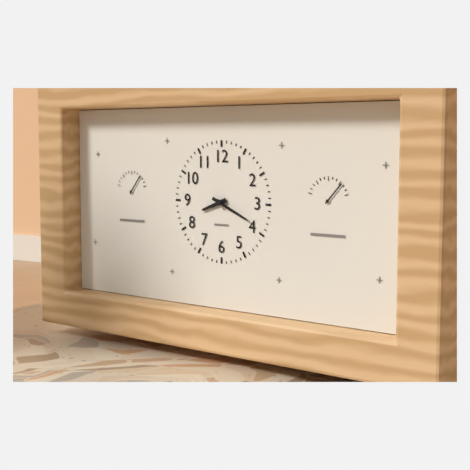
8:19
